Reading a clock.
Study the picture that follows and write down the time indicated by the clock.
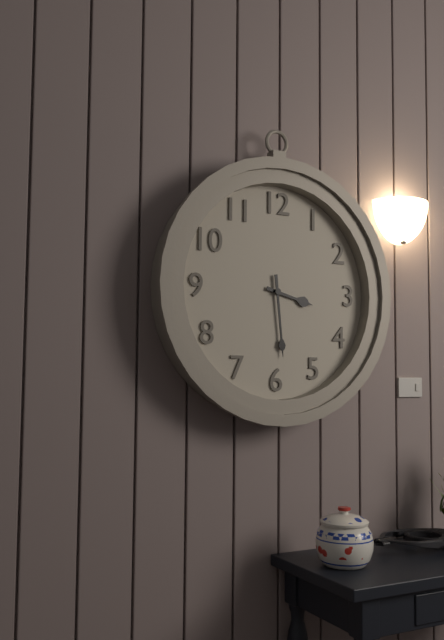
3:29
